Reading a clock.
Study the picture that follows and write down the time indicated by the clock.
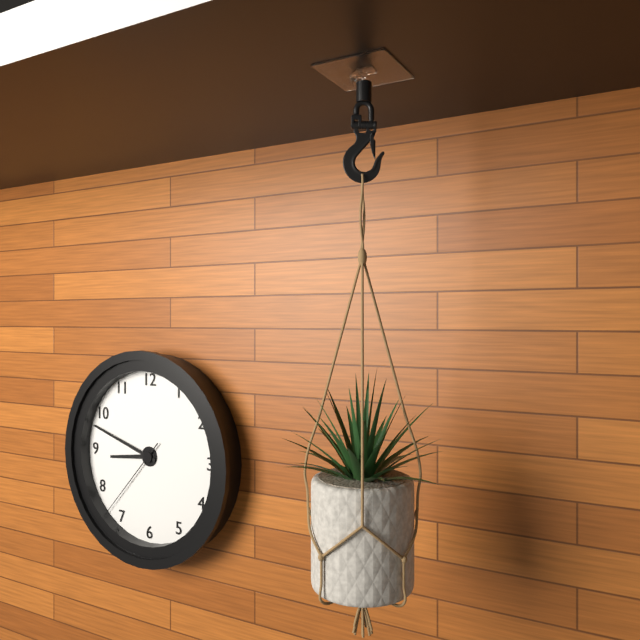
8:48:37
